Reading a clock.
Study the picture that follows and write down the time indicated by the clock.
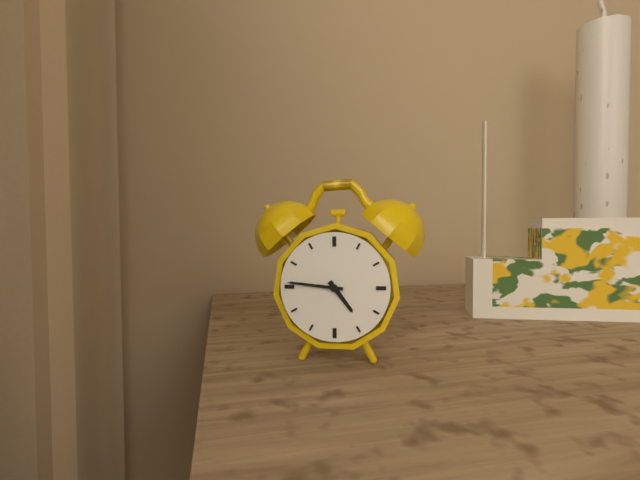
4:46
